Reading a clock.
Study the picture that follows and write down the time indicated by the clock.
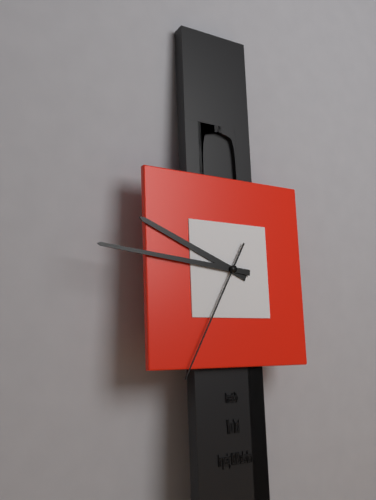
9:46:35
